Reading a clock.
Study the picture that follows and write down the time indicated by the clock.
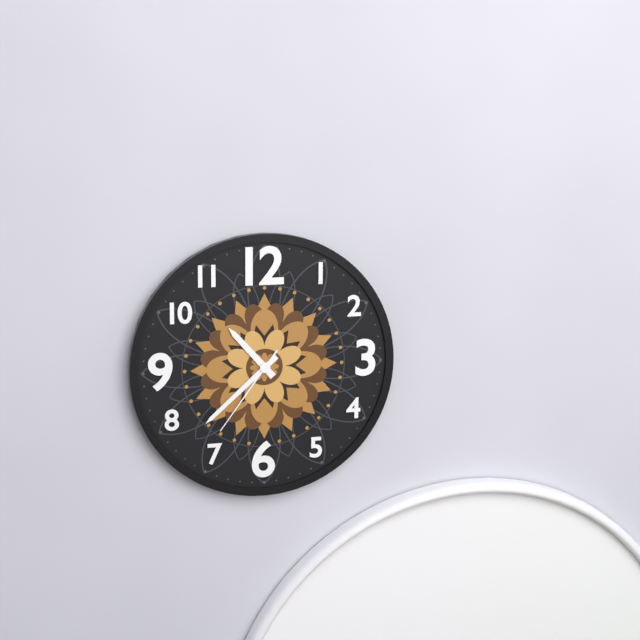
10:38:36
